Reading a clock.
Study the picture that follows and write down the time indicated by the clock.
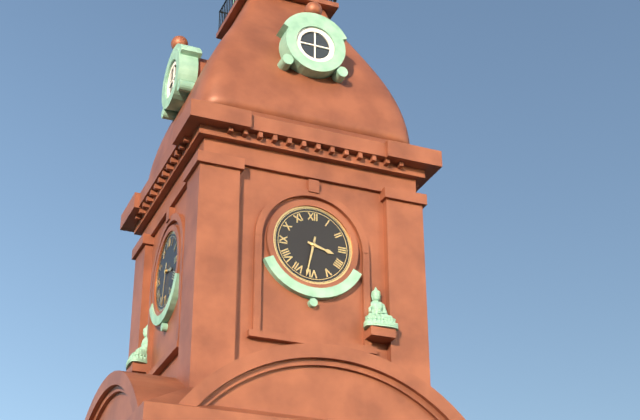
3:32
